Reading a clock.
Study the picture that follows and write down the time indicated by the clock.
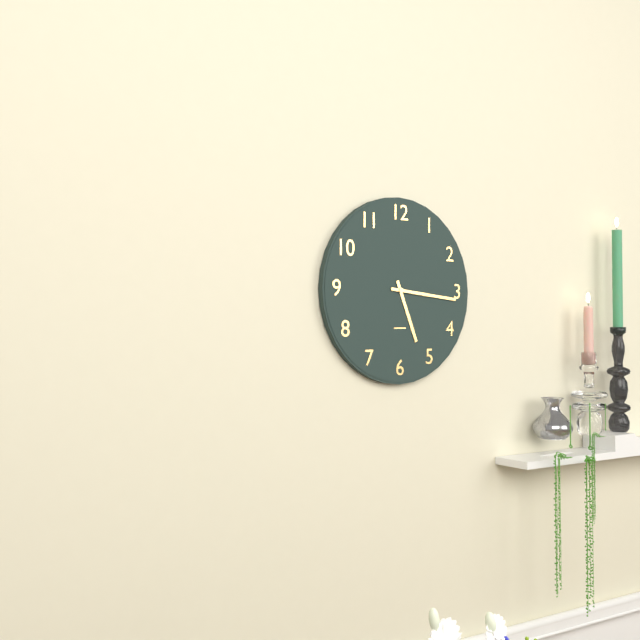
5:16
